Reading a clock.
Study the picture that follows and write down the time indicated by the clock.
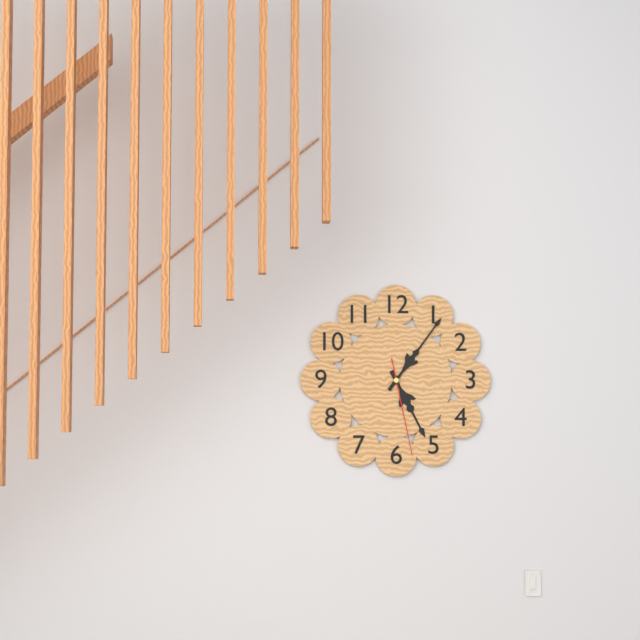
5:06:28
